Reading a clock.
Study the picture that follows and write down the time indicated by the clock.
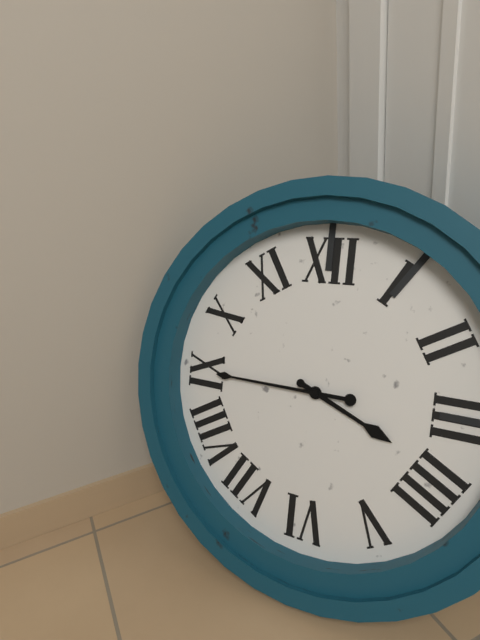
3:45
